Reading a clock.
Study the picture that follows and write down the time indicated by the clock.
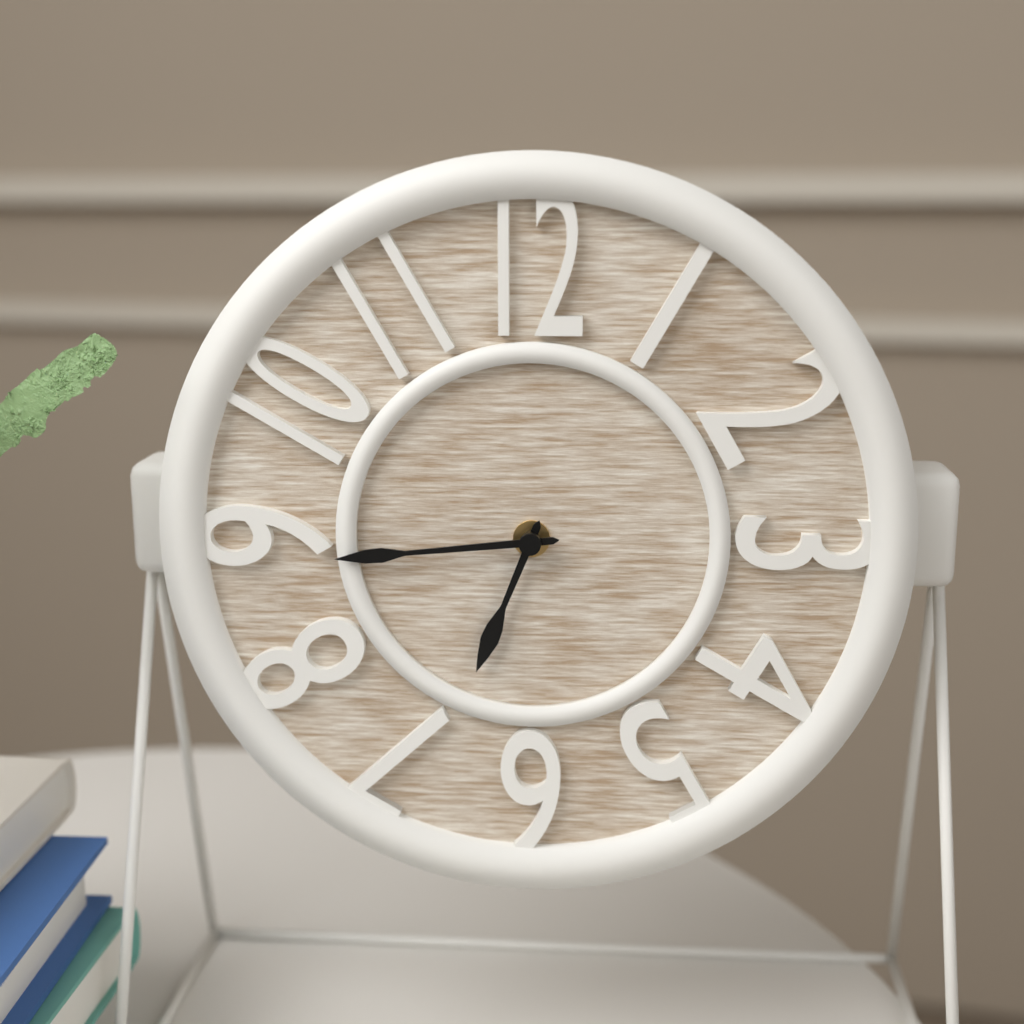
6:44
